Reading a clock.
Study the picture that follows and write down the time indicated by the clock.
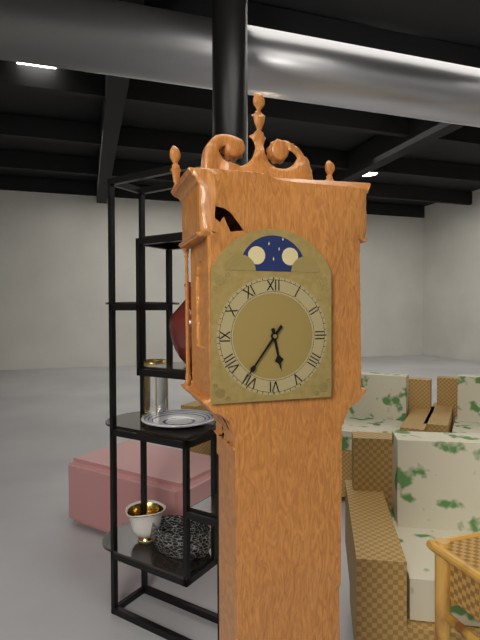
5:36
